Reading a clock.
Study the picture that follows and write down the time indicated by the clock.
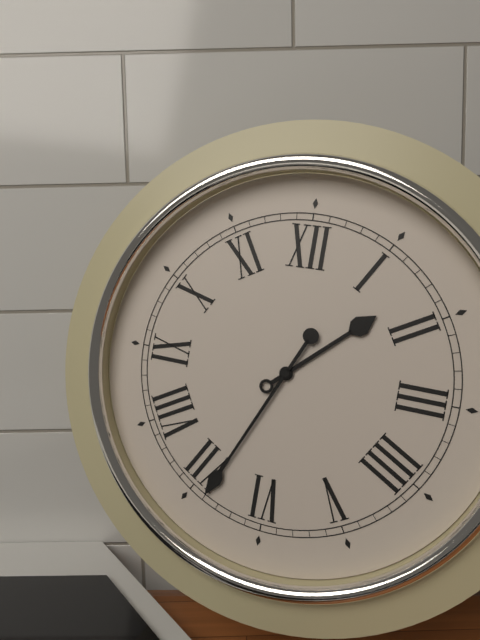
1:34
